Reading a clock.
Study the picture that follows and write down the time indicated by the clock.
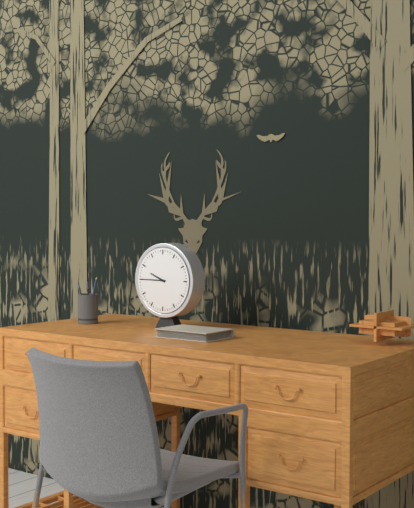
9:45
